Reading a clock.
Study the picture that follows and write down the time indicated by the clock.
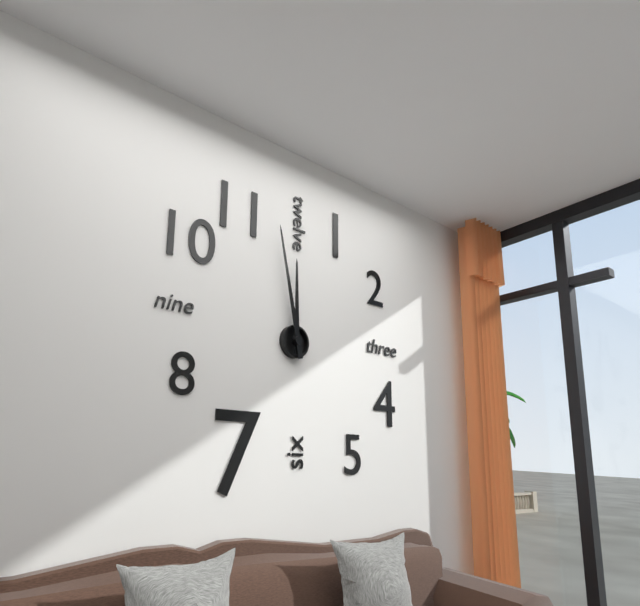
11:58
